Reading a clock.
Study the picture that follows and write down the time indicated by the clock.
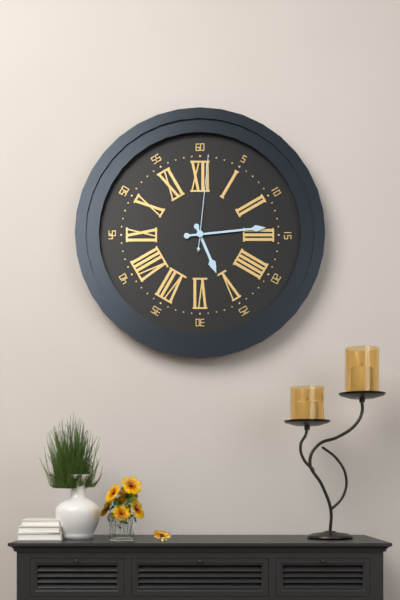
5:14:01
